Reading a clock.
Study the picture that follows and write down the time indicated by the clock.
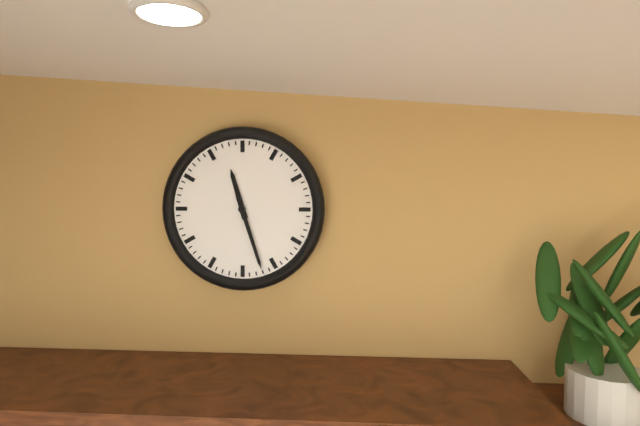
11:27
